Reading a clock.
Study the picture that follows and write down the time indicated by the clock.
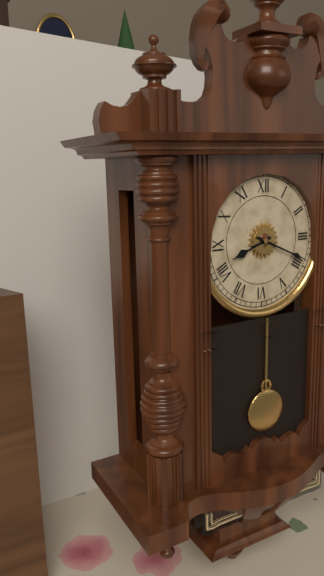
8:19
